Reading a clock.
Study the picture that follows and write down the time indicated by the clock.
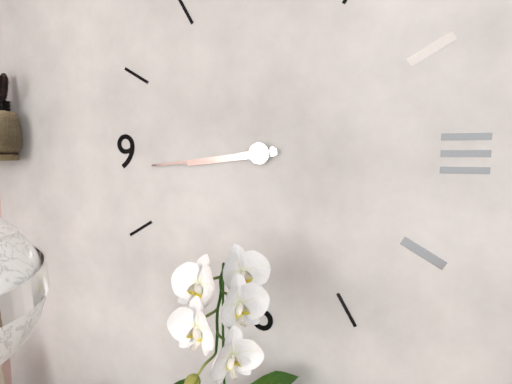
8:44
